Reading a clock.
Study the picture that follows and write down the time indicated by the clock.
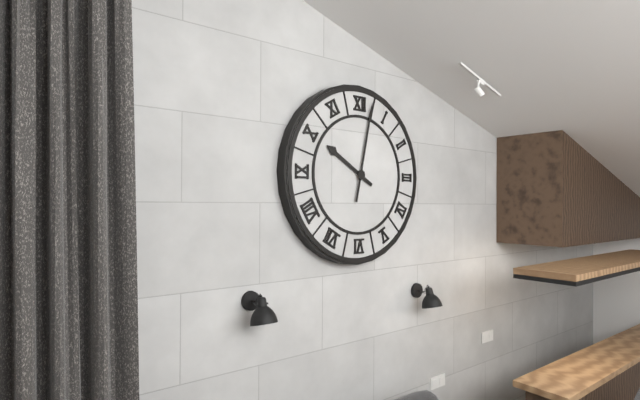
10:02
